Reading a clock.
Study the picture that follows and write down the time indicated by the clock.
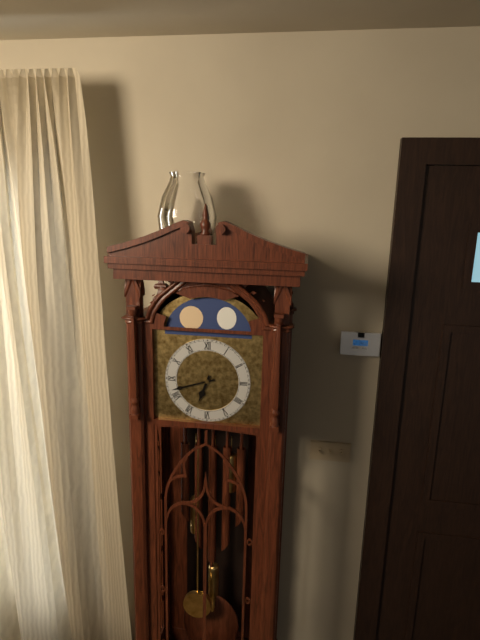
6:42
